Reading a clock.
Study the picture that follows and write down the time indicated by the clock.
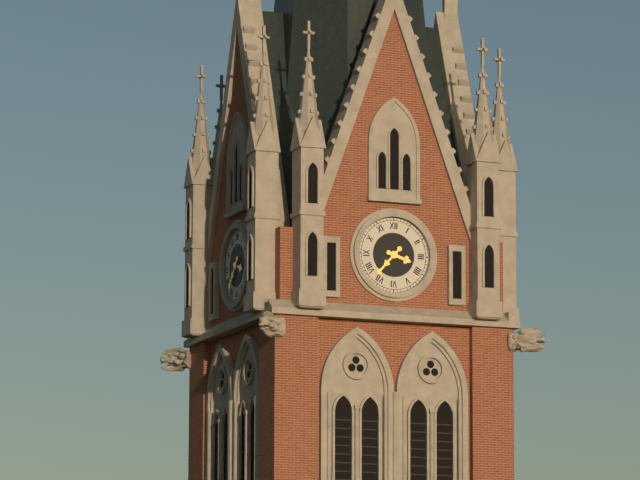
3:37
